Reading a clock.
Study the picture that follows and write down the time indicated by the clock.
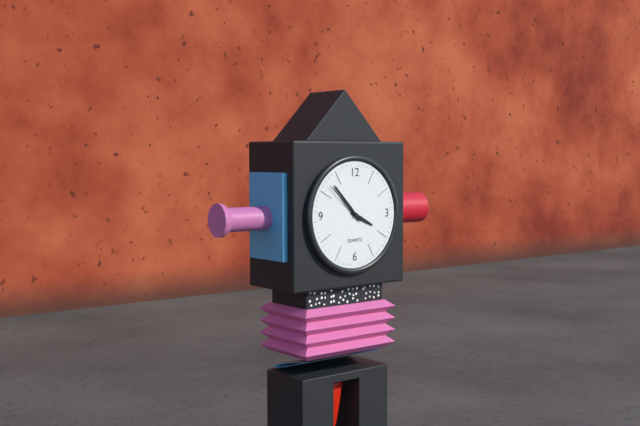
3:53
